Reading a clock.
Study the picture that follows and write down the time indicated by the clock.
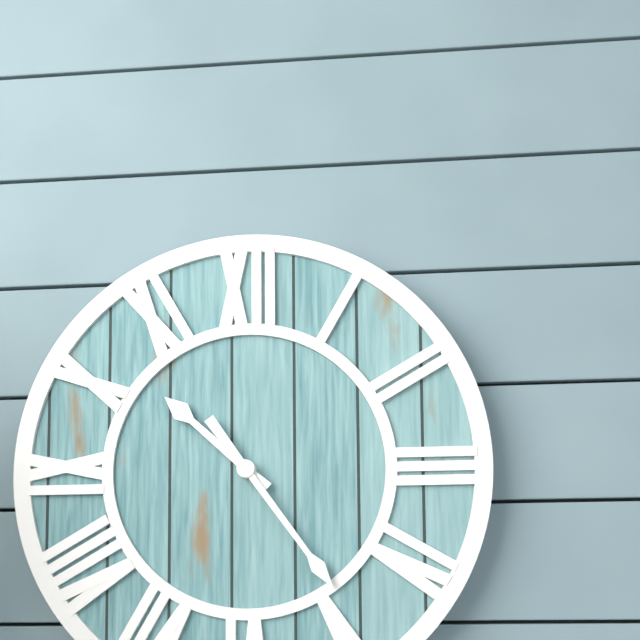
10:24
